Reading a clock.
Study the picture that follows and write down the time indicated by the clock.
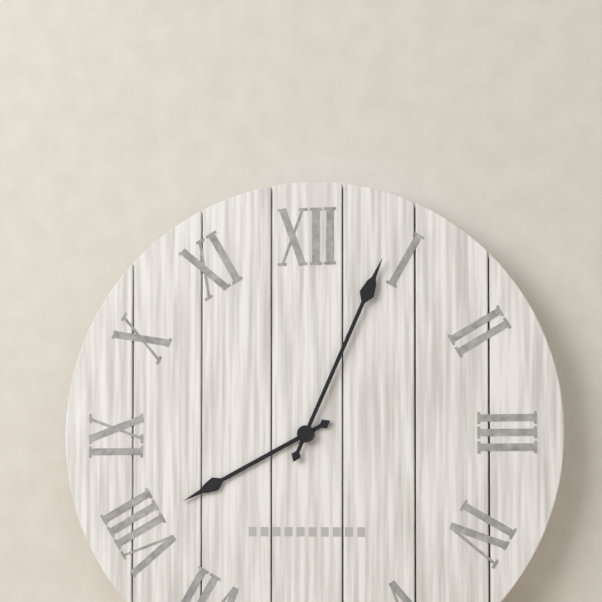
8:04
